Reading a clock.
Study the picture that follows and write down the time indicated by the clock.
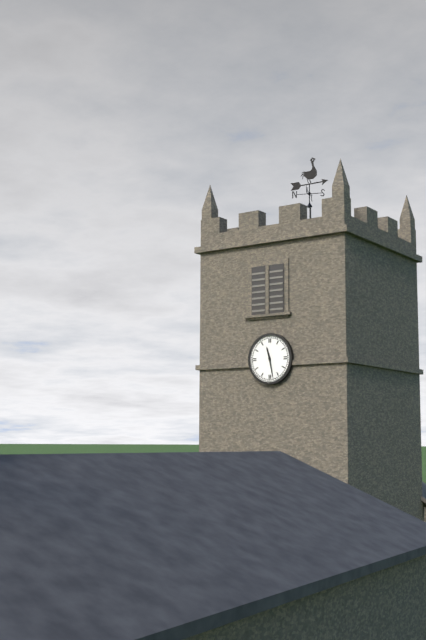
11:28
